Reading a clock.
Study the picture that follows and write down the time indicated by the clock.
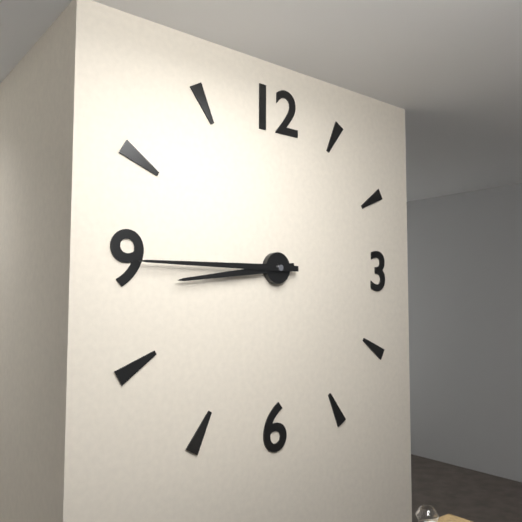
8:45
